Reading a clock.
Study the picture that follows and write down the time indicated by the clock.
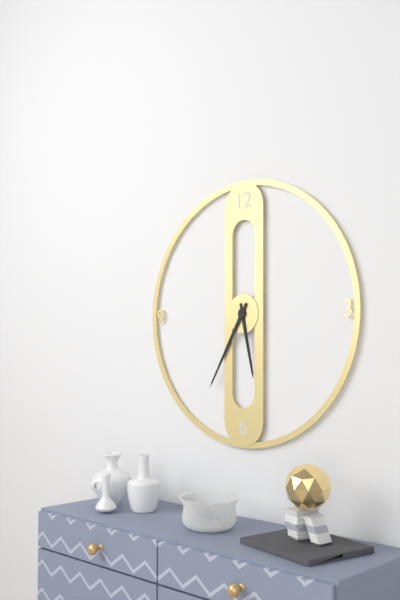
5:35
